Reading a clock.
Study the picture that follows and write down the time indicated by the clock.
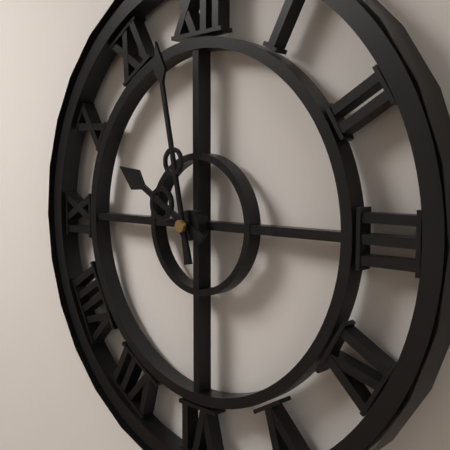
9:58
